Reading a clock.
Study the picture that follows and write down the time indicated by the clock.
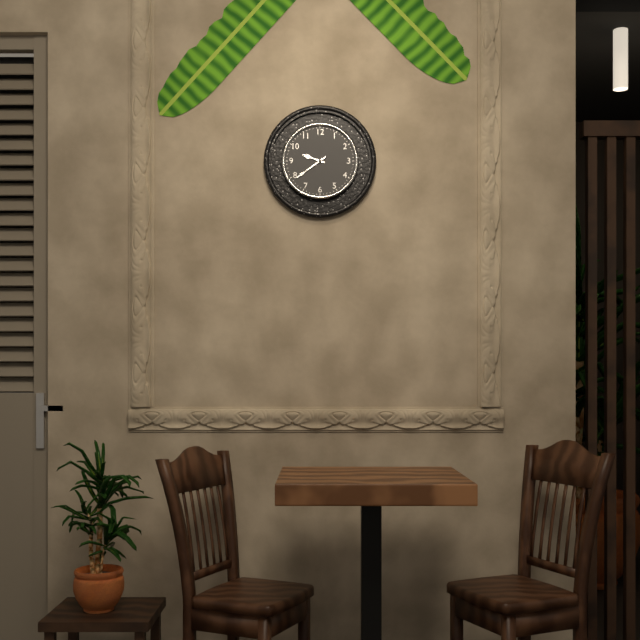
9:39
